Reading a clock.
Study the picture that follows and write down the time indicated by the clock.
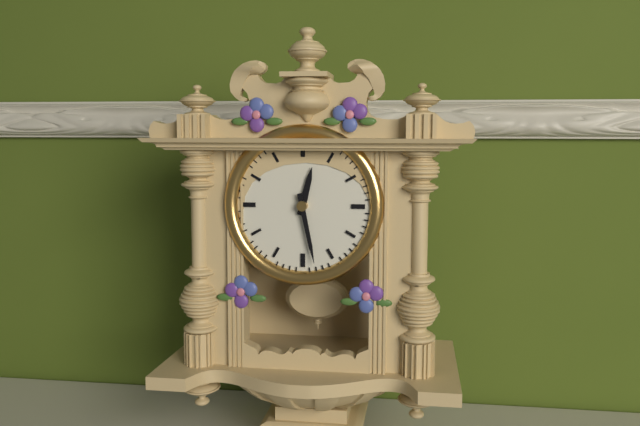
12:28
